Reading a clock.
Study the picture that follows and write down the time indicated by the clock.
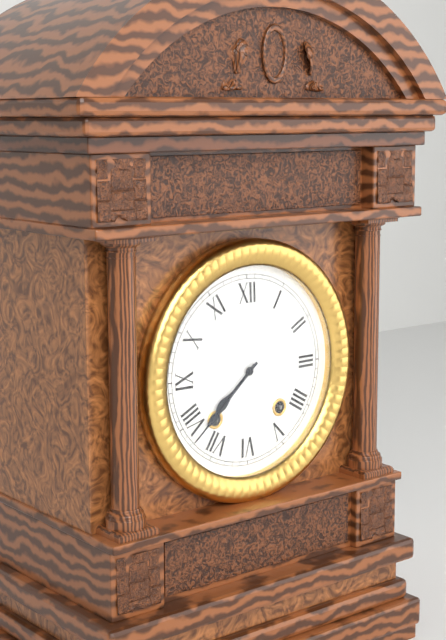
7:38
